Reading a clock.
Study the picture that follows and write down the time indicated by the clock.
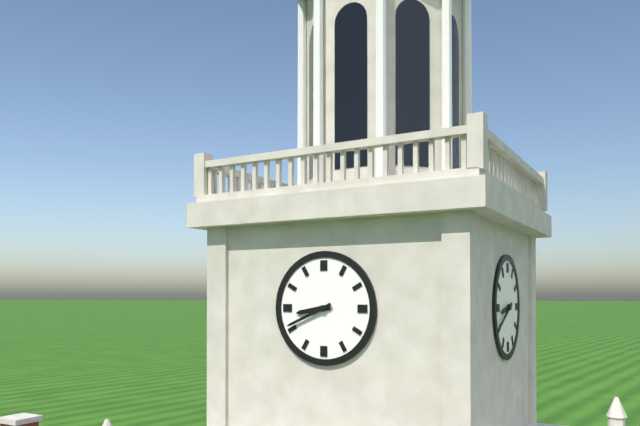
8:41
